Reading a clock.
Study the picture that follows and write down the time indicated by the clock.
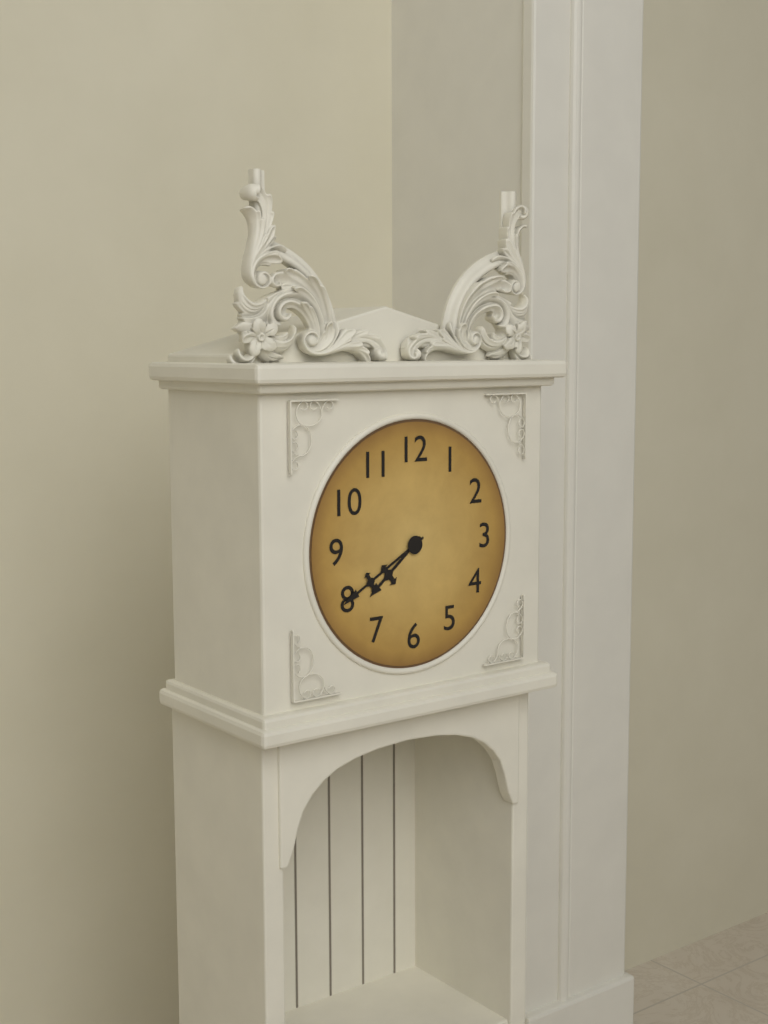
7:40
